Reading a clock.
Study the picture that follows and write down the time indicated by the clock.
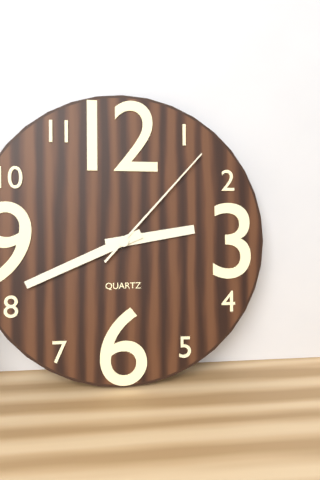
2:41:07
